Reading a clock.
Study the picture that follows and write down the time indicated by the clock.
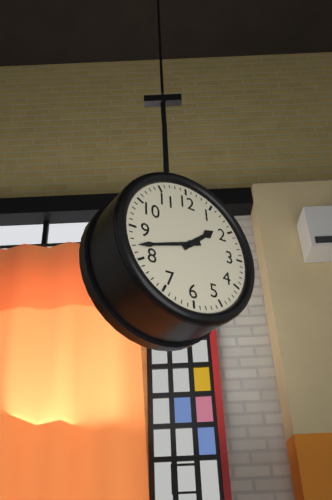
1:42
